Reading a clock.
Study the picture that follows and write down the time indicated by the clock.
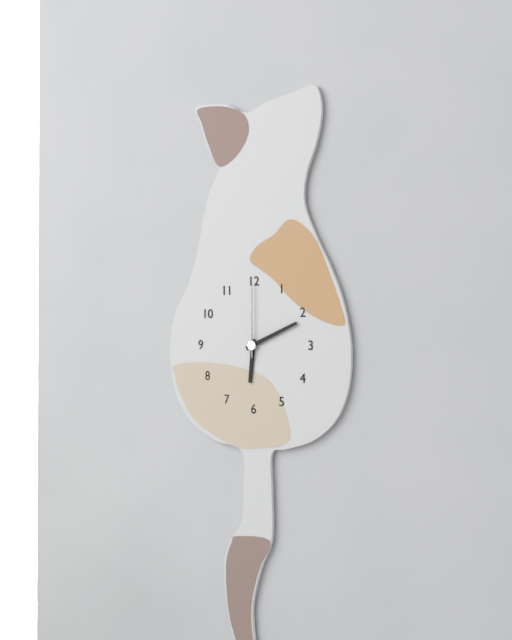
6:11:00
